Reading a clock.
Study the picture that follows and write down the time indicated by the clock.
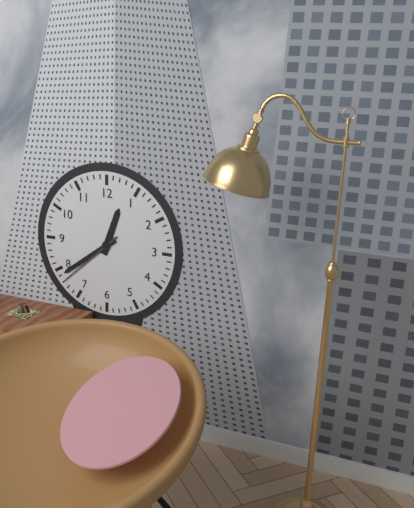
12:39:38
